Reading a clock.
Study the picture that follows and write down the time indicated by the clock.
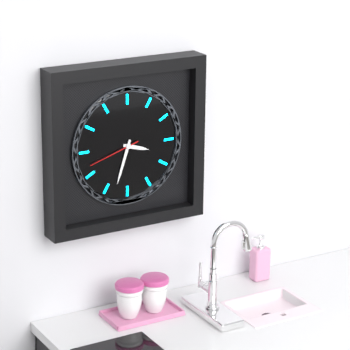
3:33:42
